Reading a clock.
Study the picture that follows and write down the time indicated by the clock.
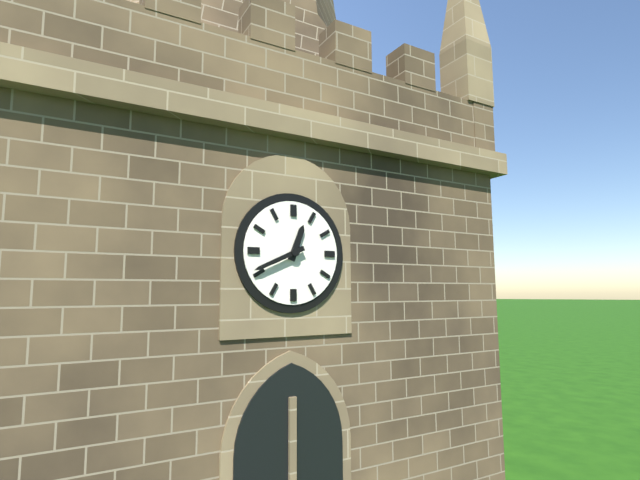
12:41
